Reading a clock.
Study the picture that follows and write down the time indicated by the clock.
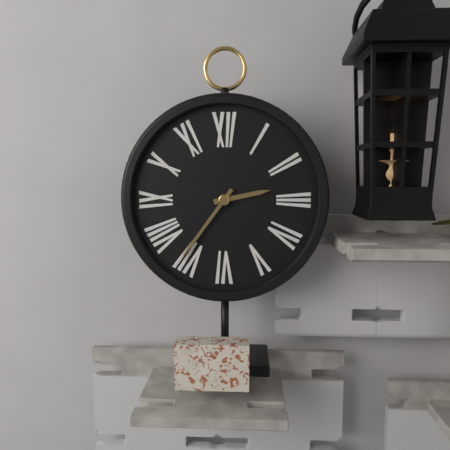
2:36
